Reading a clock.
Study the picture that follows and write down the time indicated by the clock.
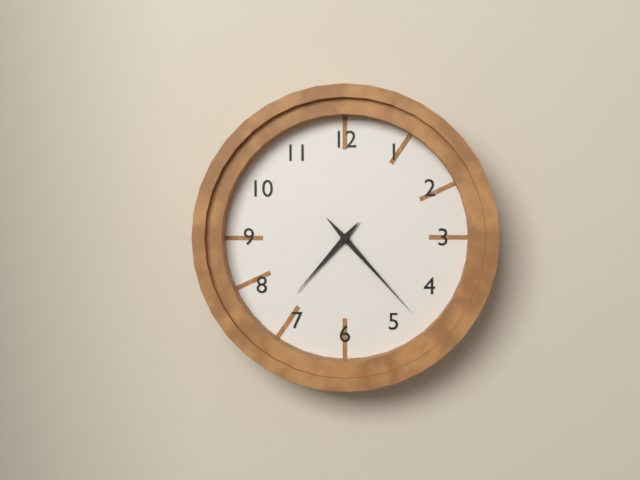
7:23
